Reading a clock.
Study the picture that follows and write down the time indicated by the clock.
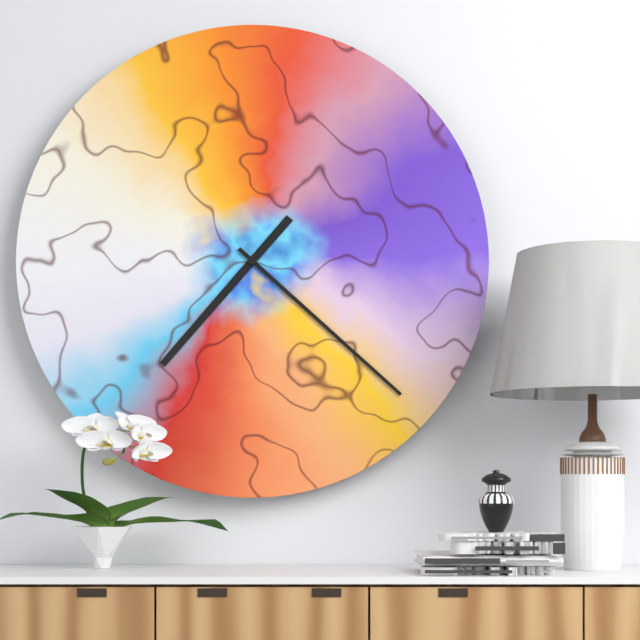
7:22
